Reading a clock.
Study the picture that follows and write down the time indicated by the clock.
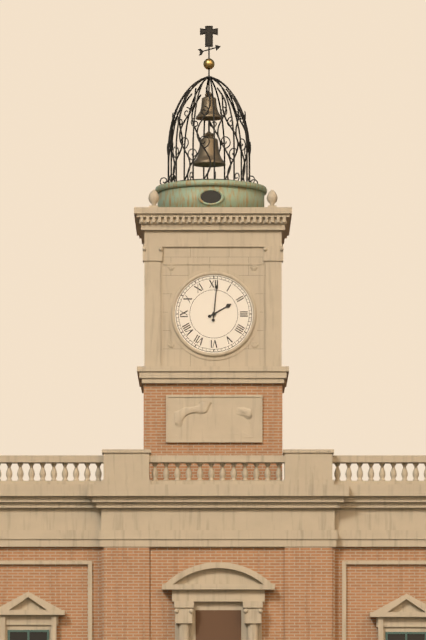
2:01
